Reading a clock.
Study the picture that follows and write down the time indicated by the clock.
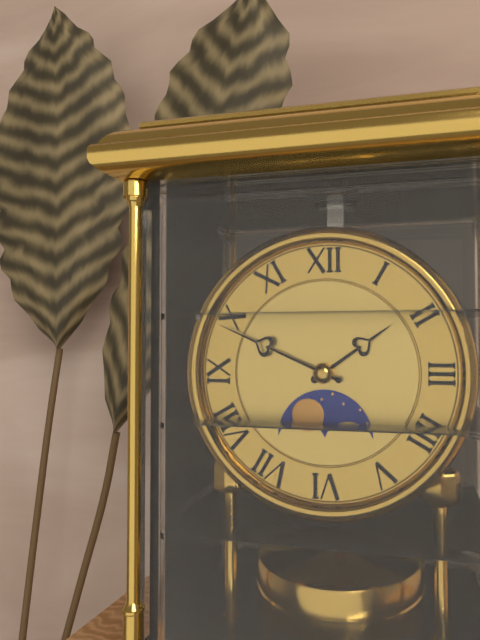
1:49
